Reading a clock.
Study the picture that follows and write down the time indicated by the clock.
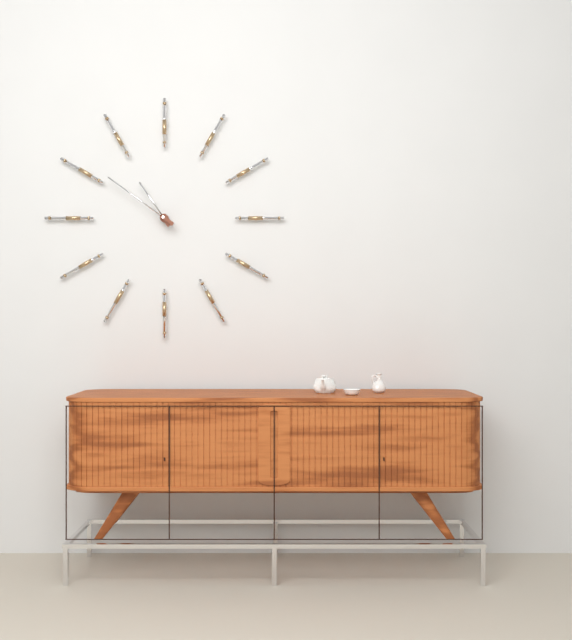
10:51
